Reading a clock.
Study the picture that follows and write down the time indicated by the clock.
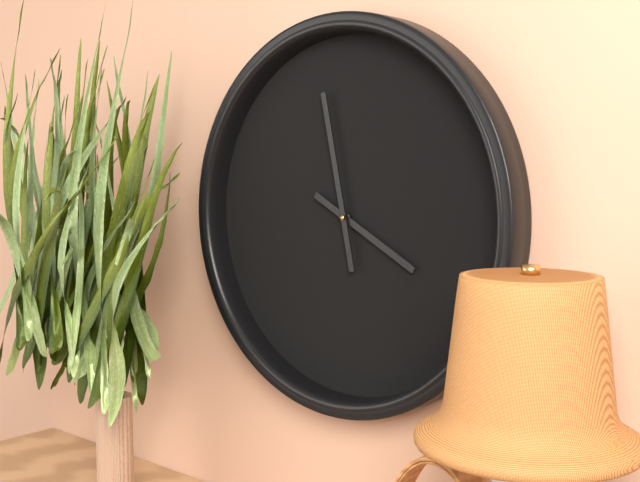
3:58
